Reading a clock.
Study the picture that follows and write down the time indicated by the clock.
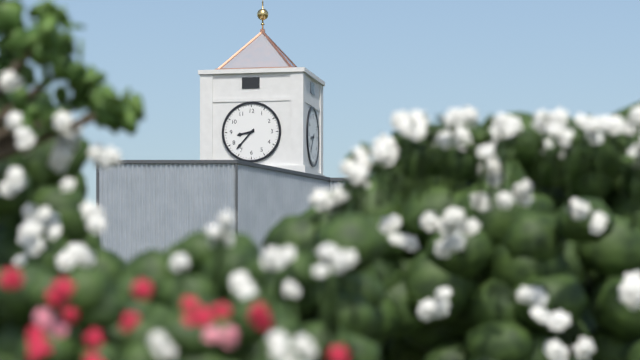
8:37
